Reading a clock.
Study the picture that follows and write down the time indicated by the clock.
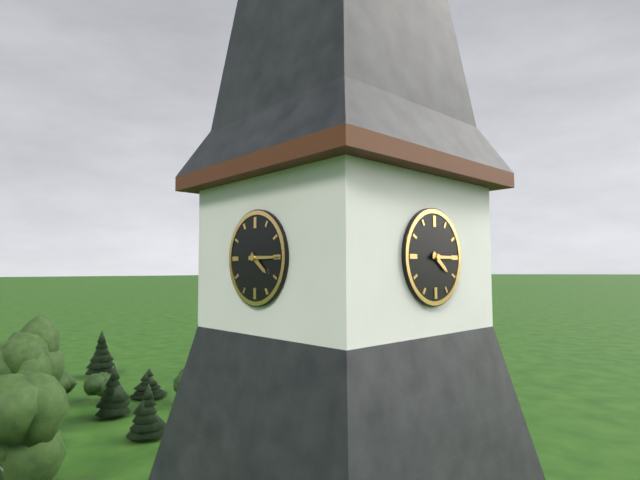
4:15
